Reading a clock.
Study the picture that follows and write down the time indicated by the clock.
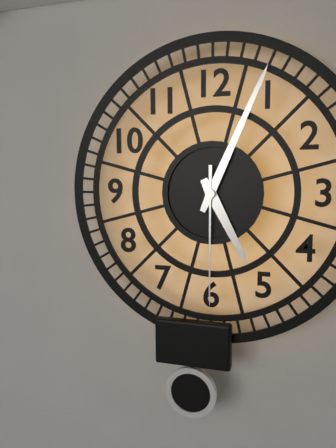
5:04:30
